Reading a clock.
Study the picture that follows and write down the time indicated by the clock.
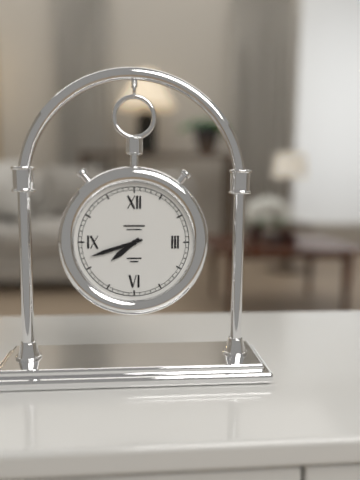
7:42
